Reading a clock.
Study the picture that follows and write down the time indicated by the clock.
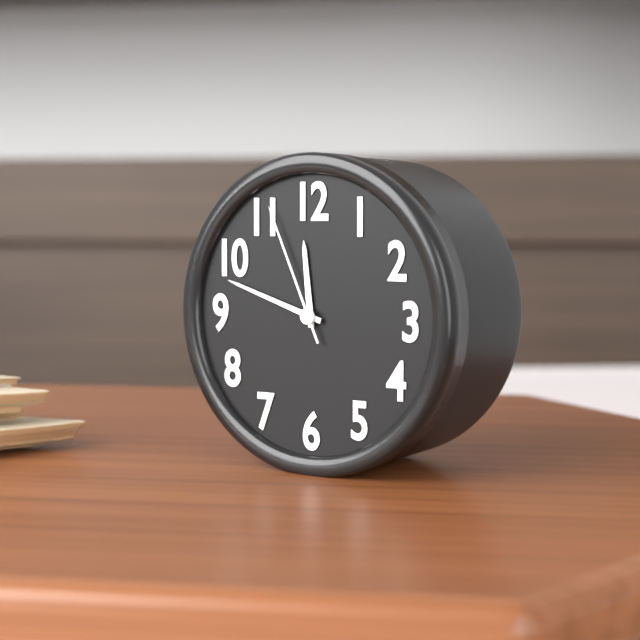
11:48:56
